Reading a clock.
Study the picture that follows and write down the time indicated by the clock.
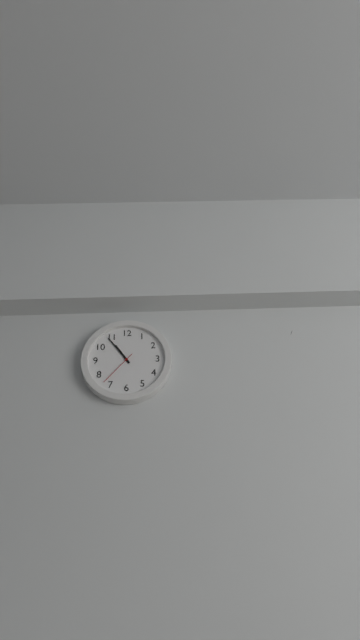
10:54
